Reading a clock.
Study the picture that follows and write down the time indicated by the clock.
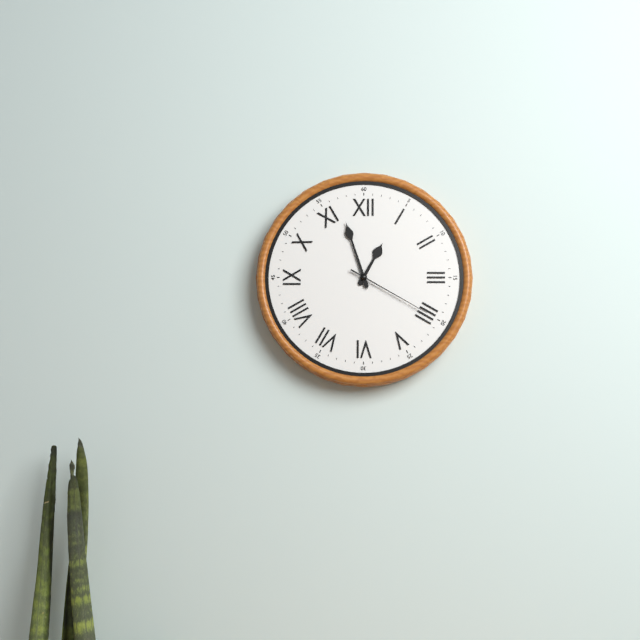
12:57:20
